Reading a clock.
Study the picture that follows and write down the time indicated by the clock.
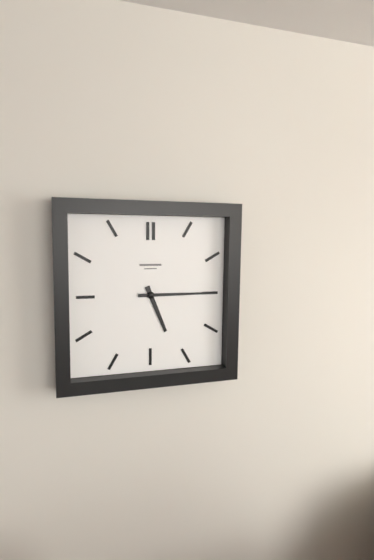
5:15
